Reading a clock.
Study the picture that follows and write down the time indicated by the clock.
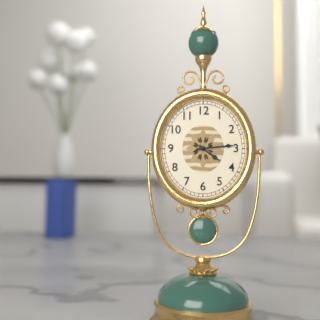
4:14
